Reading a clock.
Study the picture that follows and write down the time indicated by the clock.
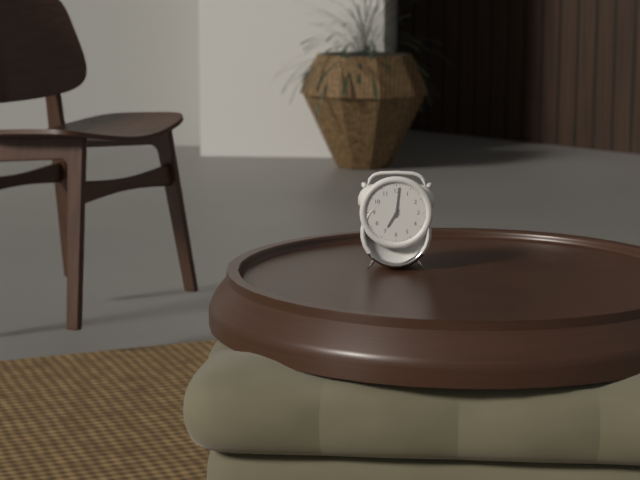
7:01
